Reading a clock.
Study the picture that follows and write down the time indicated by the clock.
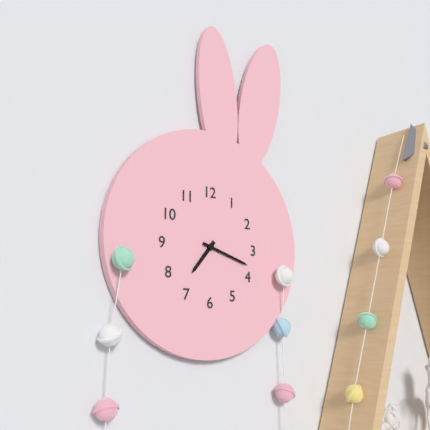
7:18
